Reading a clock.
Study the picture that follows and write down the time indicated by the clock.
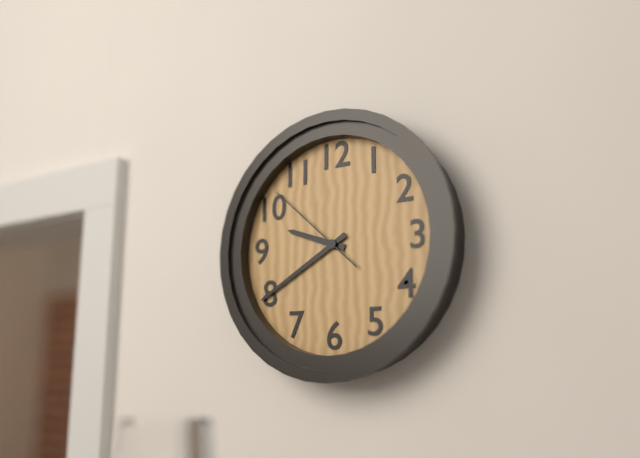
9:40:52
